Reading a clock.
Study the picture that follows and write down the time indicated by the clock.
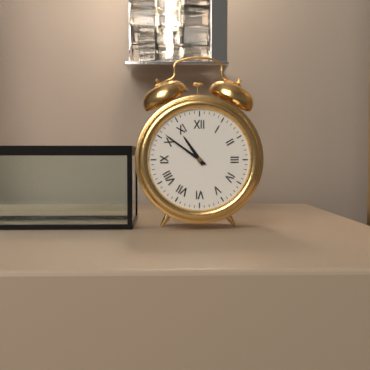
10:51
